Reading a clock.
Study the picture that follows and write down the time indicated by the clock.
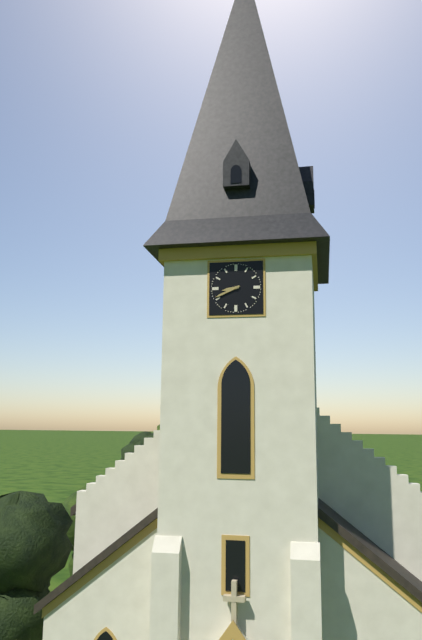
8:41
